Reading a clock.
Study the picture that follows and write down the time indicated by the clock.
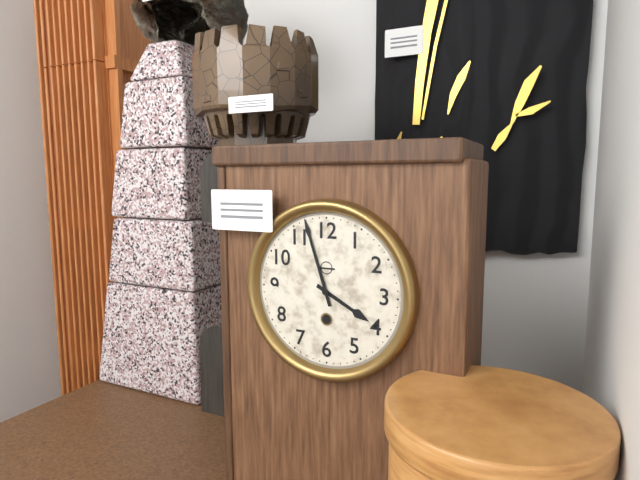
3:57
